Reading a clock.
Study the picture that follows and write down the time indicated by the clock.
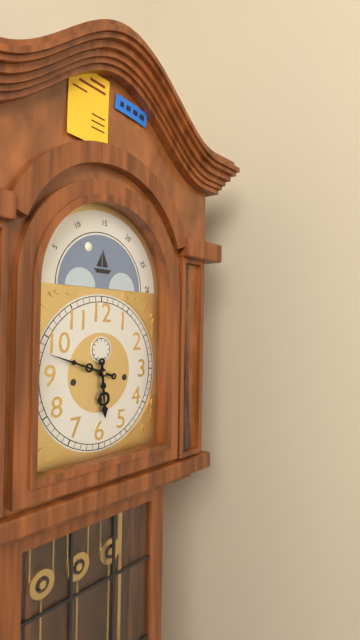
5:48
